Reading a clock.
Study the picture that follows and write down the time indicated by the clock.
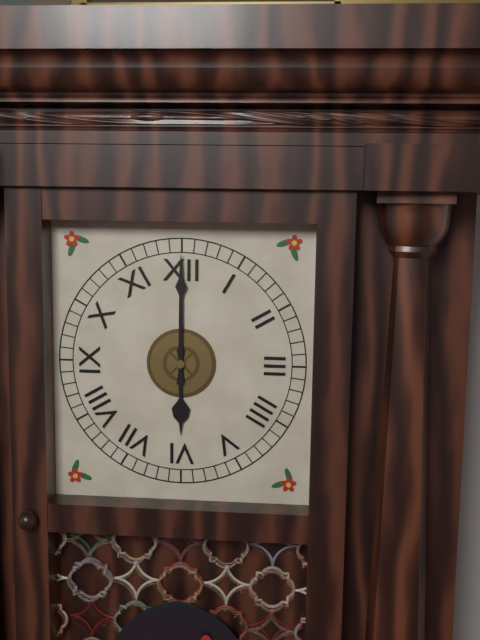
6:00
